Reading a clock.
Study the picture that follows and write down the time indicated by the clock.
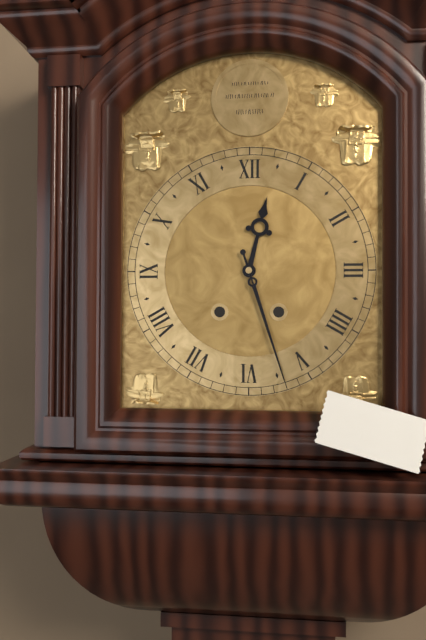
12:27
